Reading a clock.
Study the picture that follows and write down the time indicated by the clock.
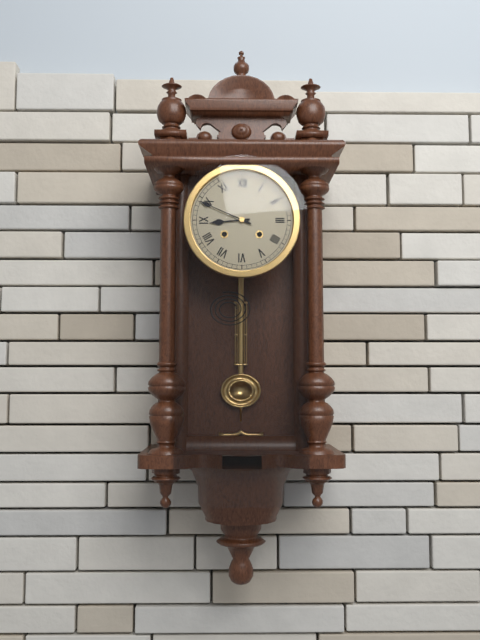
8:49
